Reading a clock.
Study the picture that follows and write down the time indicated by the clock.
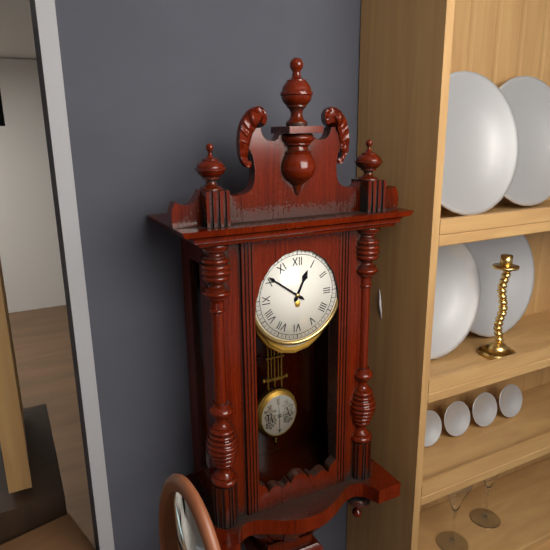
12:51
